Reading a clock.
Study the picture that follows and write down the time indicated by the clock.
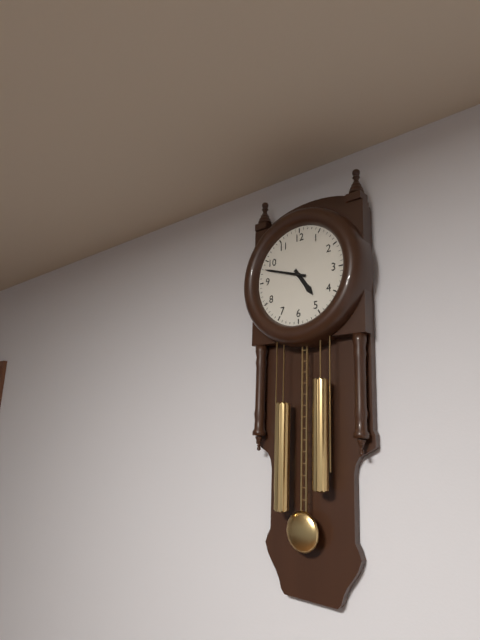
4:48
